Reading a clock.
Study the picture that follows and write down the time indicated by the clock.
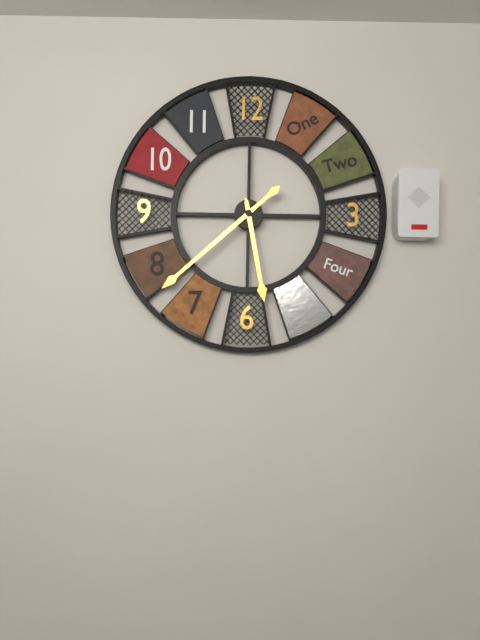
5:38
